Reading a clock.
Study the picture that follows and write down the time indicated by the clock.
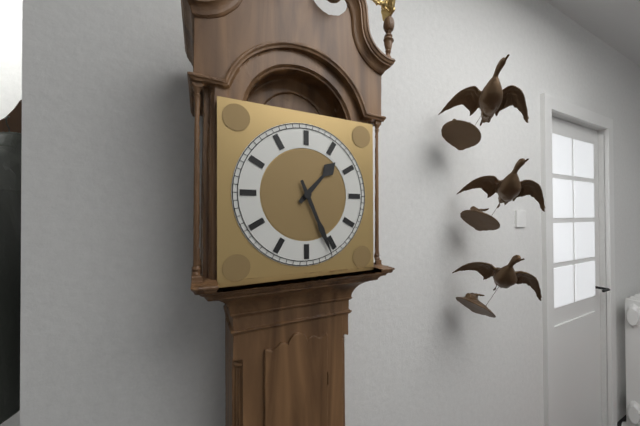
1:26
